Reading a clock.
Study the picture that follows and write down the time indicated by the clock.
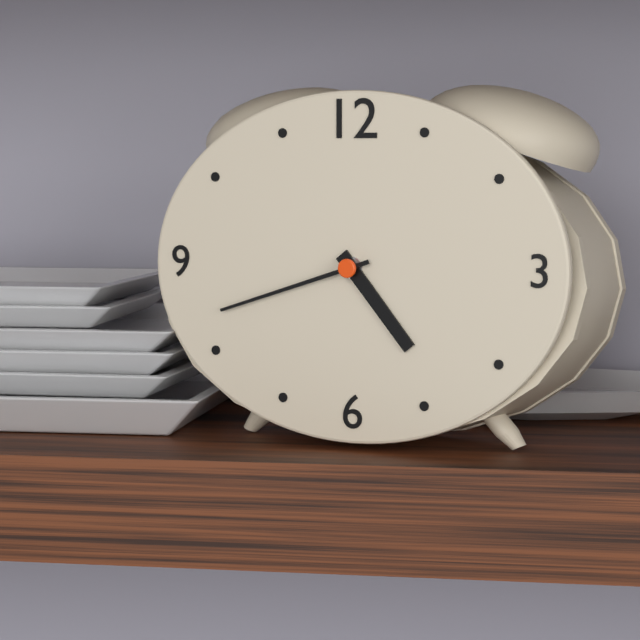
4:42
